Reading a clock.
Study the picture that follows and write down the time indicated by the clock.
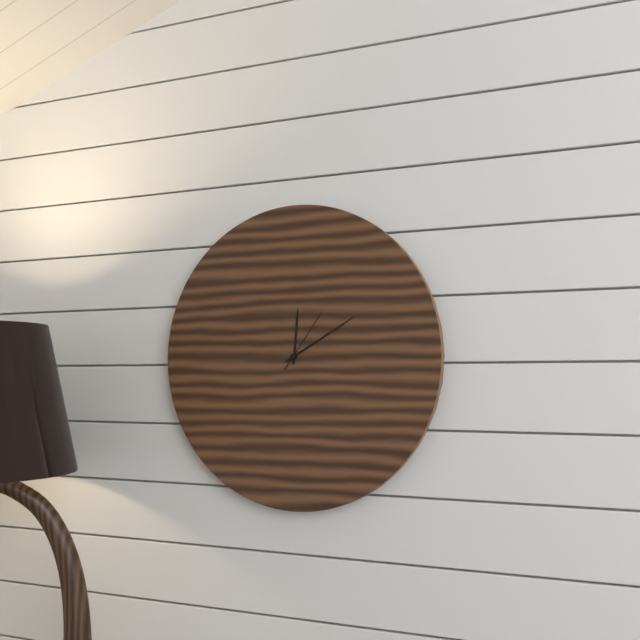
12:10:06
